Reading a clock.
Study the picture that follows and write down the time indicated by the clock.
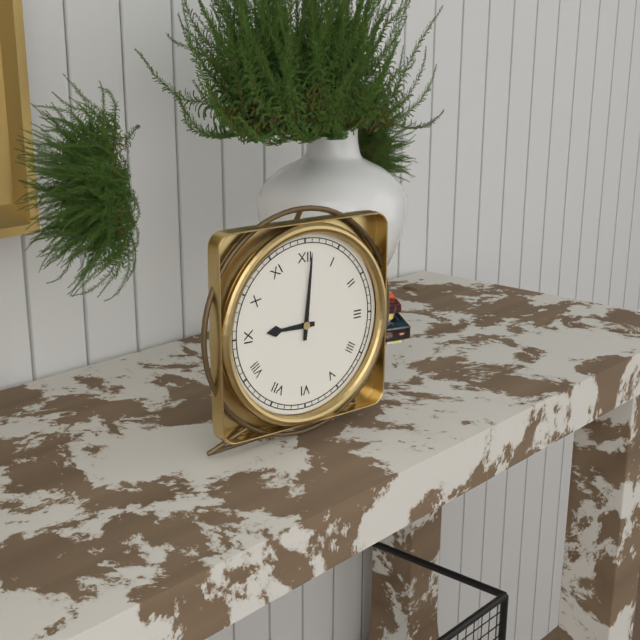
9:01
